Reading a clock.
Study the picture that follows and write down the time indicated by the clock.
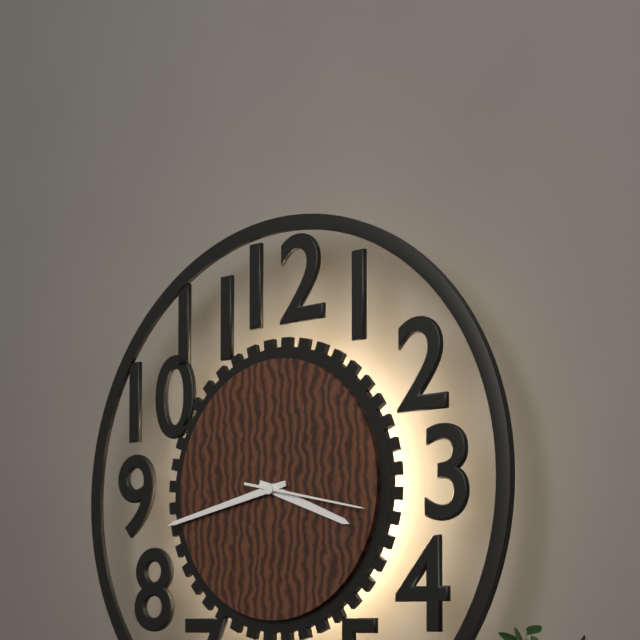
3:43:17
